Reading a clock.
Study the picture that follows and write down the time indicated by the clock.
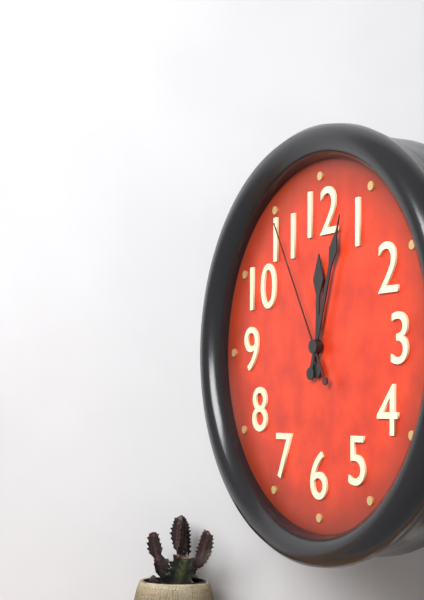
12:03:55
